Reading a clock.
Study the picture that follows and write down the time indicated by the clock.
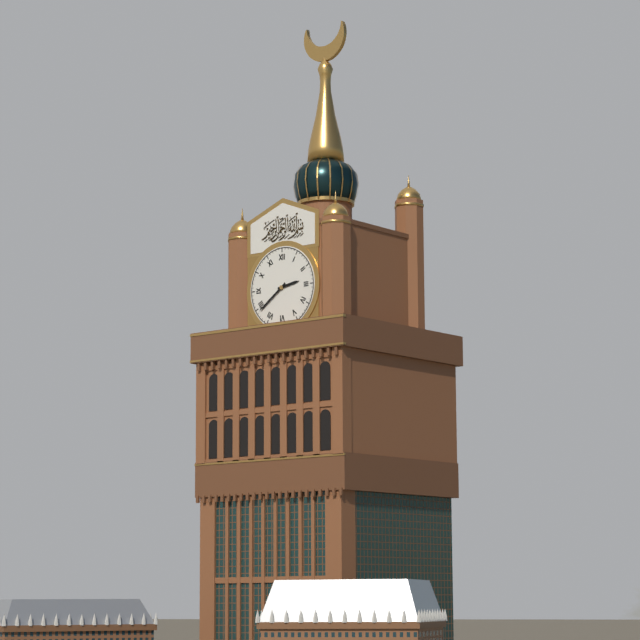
2:39
